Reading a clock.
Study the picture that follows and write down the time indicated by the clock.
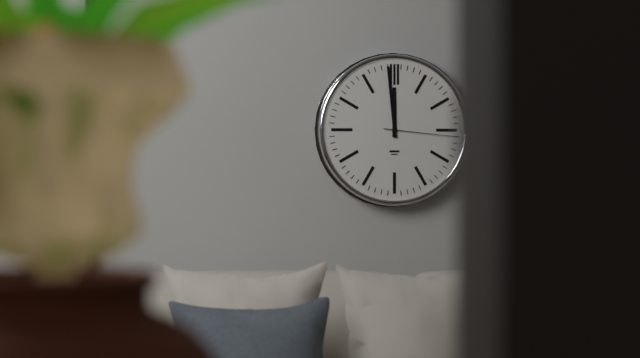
11:59:16
